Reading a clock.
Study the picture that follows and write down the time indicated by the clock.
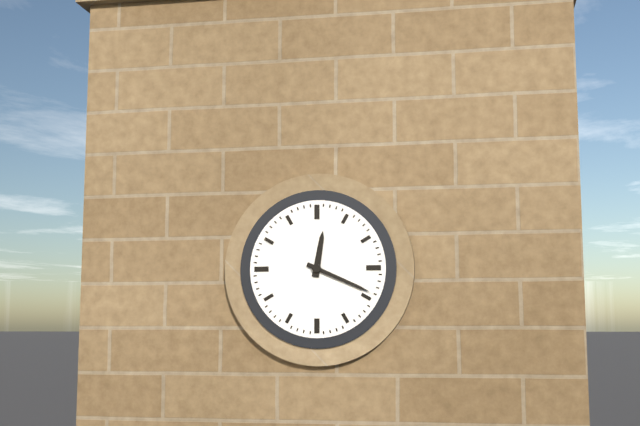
12:19
